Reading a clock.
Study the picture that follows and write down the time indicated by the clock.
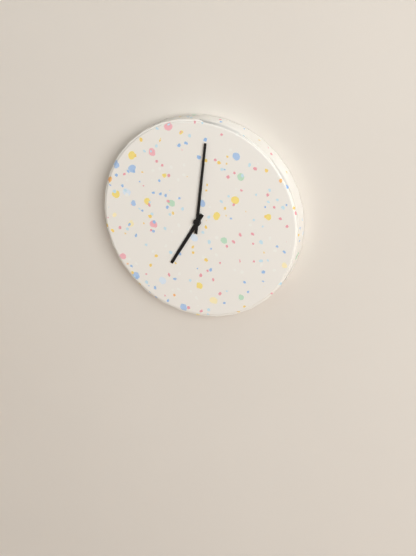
7:01
